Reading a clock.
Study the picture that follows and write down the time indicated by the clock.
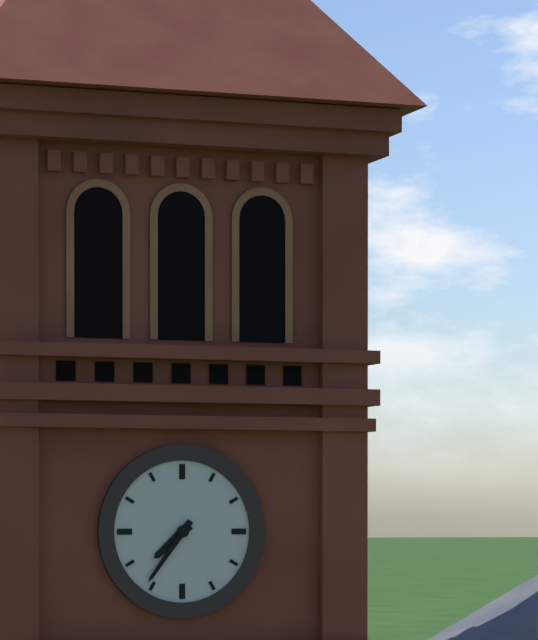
7:36
